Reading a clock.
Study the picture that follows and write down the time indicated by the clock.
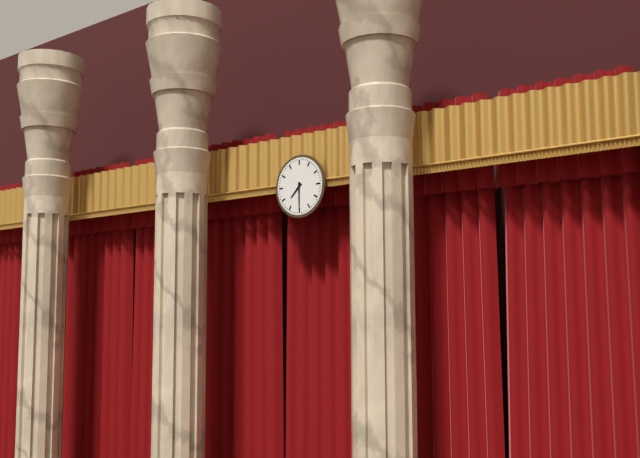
7:30
